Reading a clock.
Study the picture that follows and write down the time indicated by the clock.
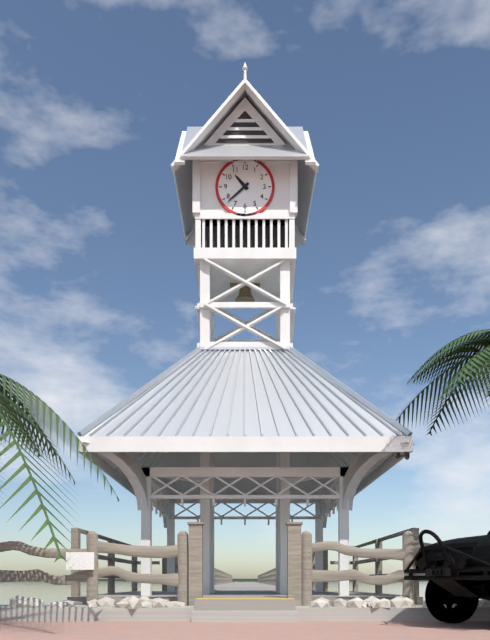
10:38
